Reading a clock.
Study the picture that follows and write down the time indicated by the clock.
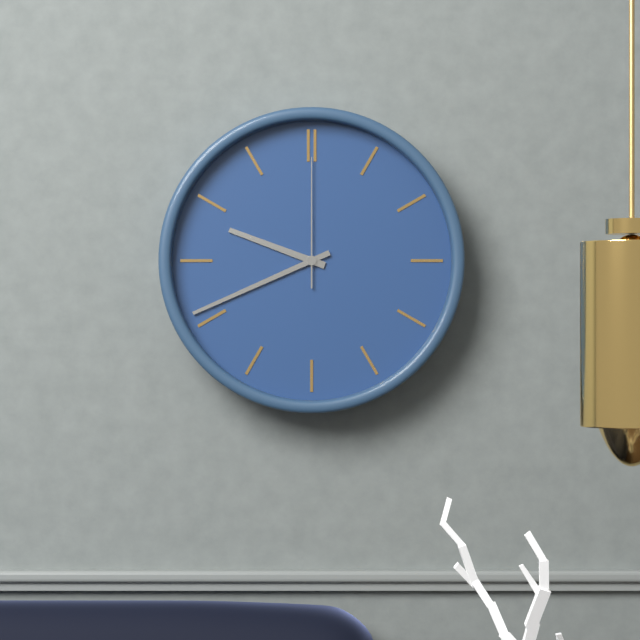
9:41:00
